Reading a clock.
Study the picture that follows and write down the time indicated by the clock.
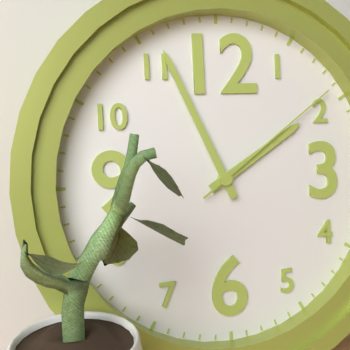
1:56:09
